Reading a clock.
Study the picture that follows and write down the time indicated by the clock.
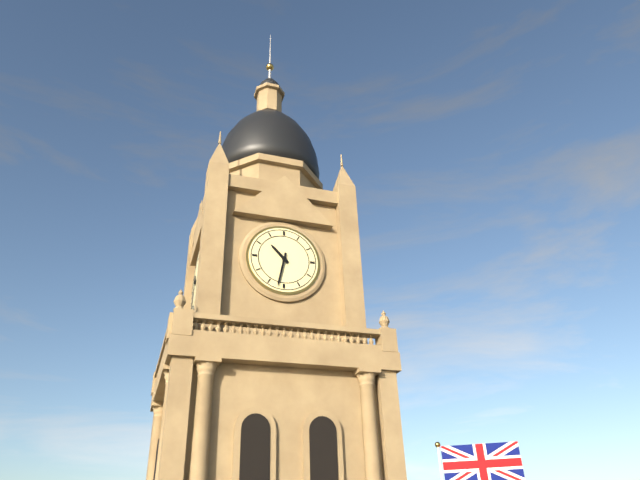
10:32
